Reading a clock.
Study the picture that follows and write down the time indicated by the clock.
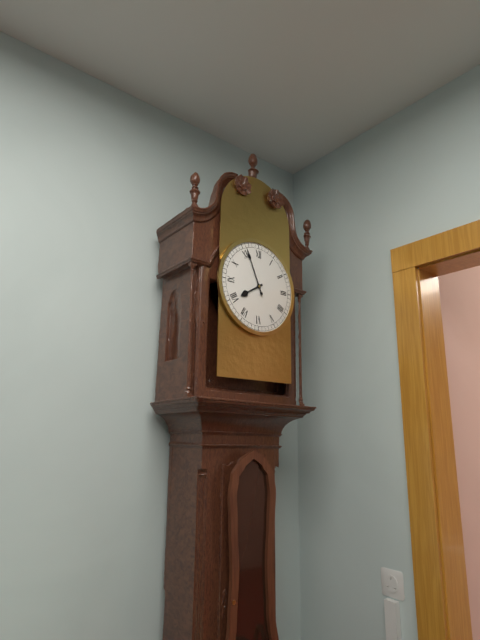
7:56
